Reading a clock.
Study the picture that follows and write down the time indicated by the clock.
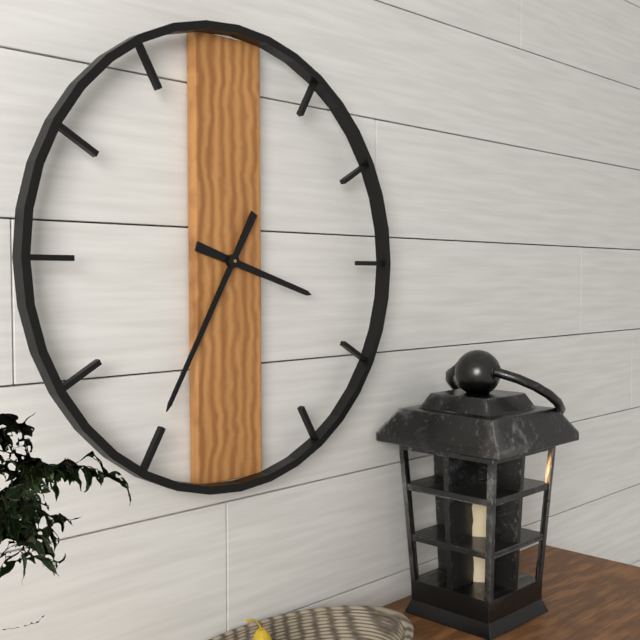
3:35
